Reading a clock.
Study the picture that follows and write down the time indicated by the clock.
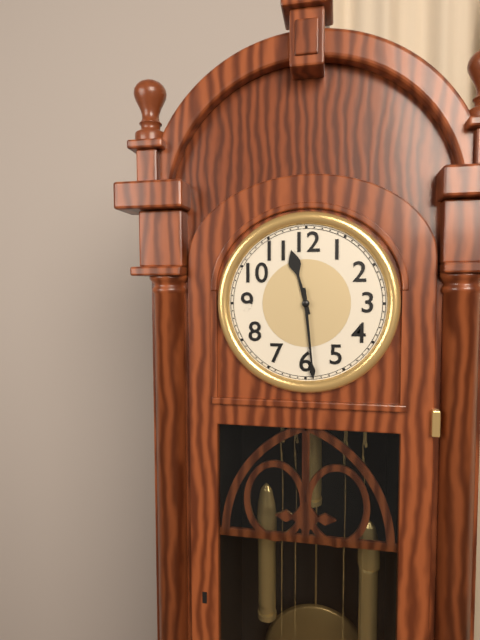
11:29
